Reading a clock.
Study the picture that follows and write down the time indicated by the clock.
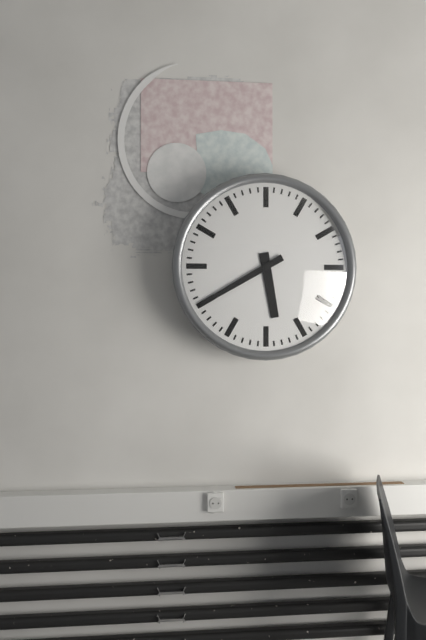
5:40
